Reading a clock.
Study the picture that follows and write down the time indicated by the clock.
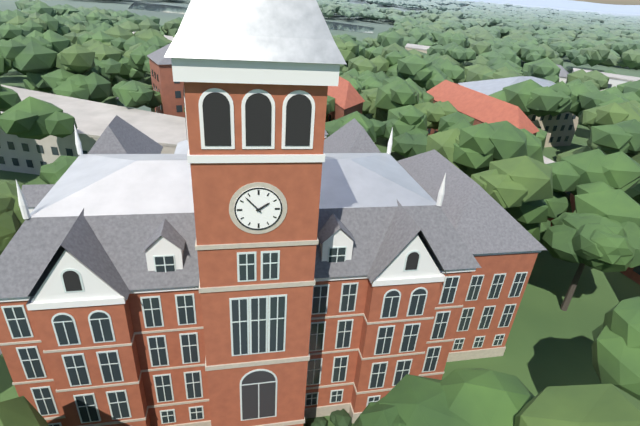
1:53
